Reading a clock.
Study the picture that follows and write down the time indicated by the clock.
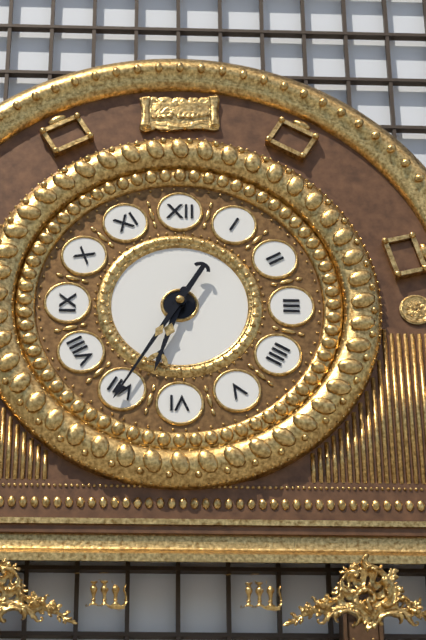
6:35
